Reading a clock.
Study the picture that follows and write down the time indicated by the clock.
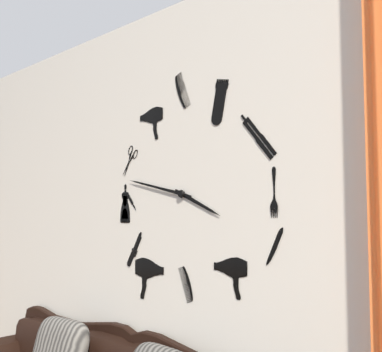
3:47
